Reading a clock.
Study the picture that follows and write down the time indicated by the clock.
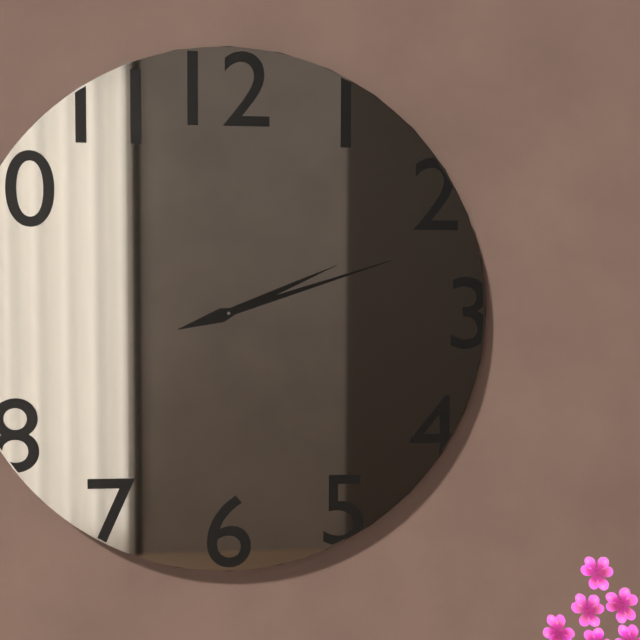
2:12
